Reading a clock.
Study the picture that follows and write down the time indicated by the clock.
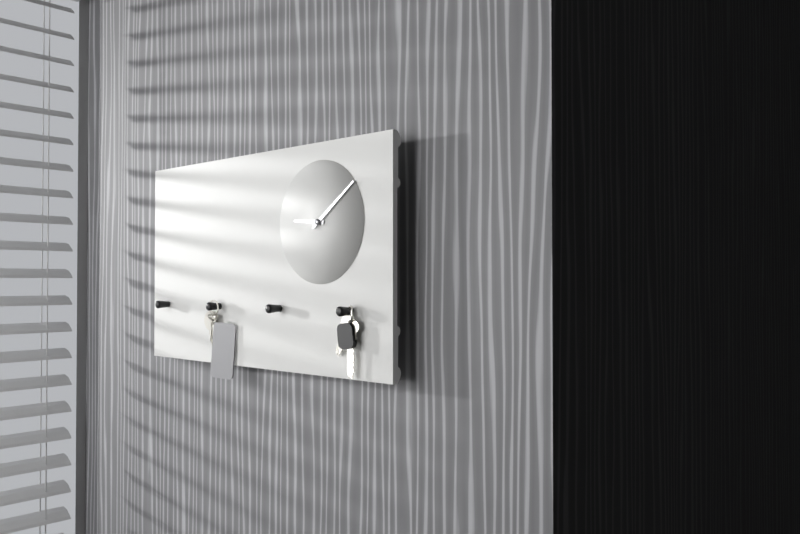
9:09
